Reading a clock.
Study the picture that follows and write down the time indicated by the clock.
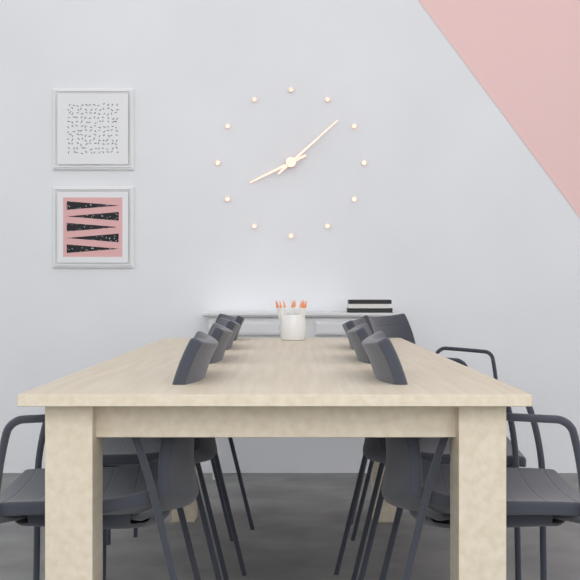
8:08
